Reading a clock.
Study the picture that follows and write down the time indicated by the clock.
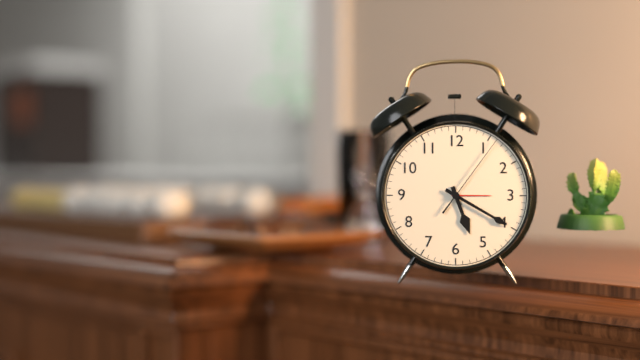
5:20:06
